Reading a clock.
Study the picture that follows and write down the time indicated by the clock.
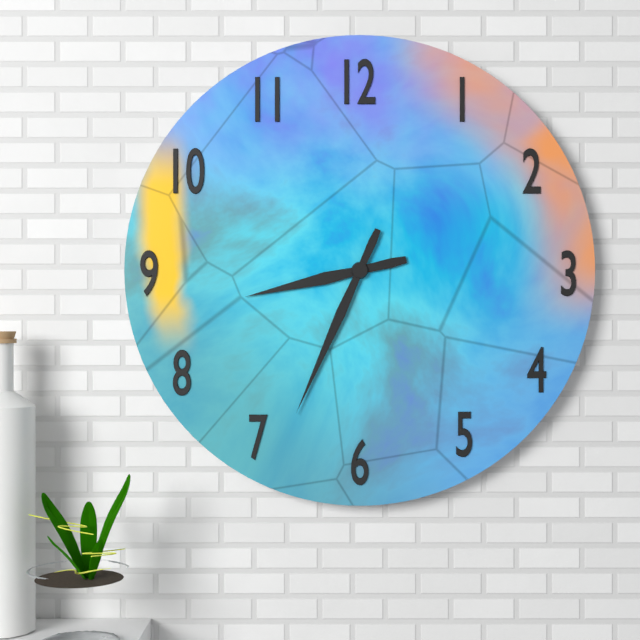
8:34
